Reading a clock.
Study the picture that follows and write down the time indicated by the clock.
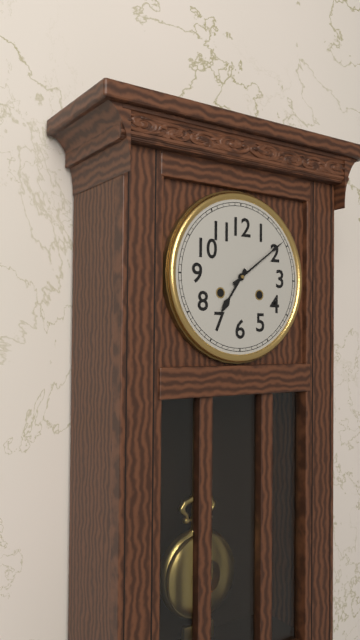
7:09
